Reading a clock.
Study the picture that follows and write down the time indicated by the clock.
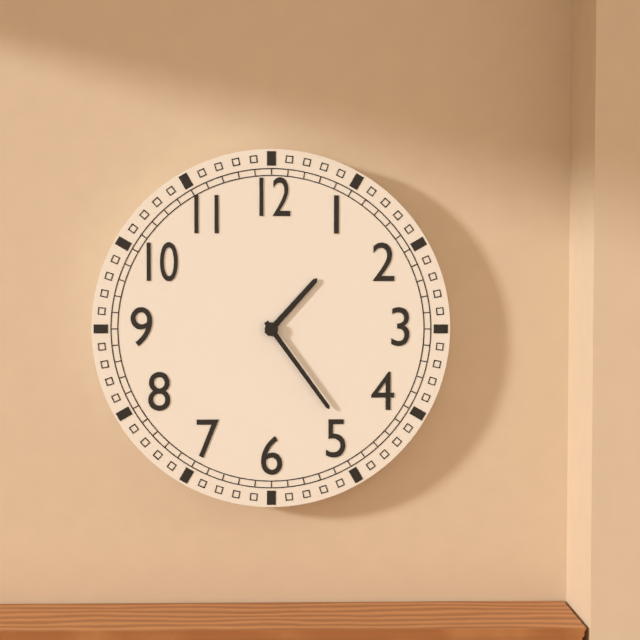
1:24
